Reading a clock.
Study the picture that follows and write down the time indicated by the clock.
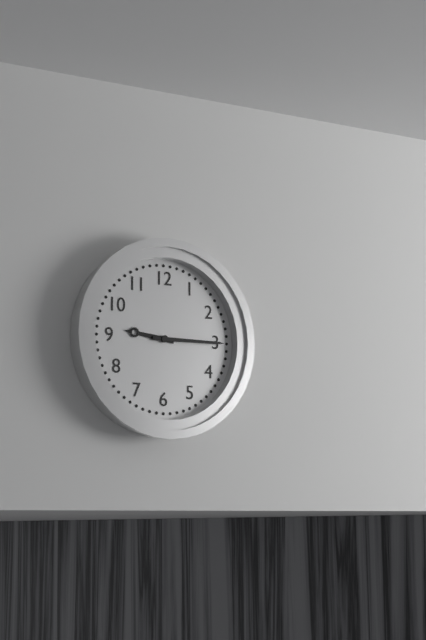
9:15
